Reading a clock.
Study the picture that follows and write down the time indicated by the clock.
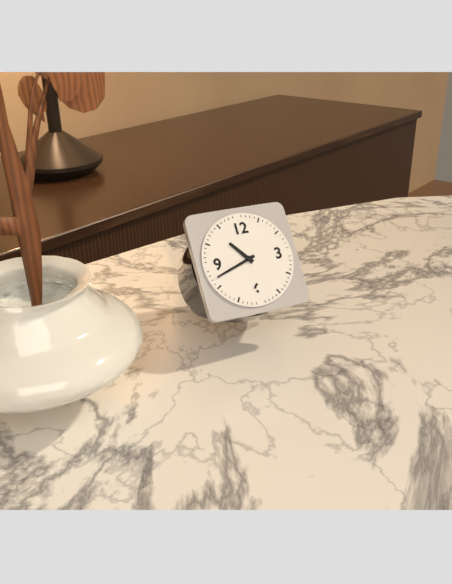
10:42
